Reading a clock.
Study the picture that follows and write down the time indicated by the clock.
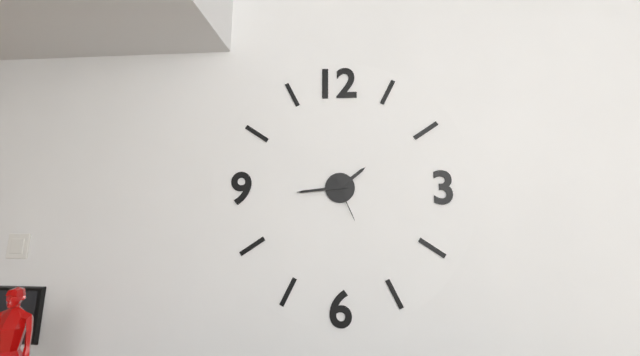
1:44
